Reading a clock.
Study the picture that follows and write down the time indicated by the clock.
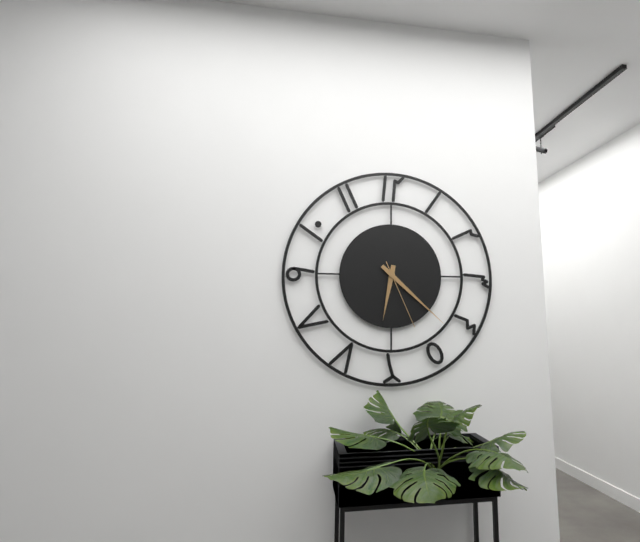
6:22:26
